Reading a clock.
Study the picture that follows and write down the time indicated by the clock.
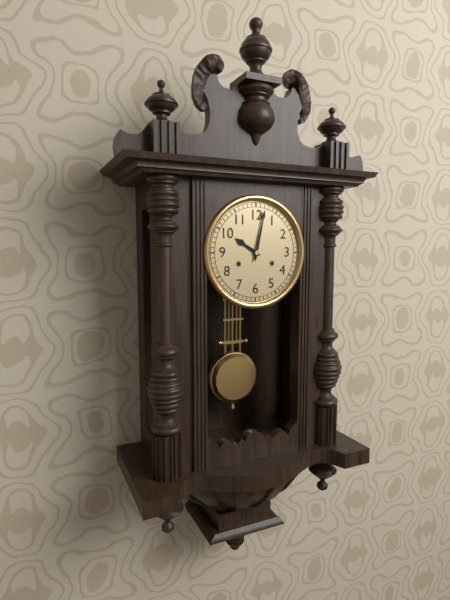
10:02
